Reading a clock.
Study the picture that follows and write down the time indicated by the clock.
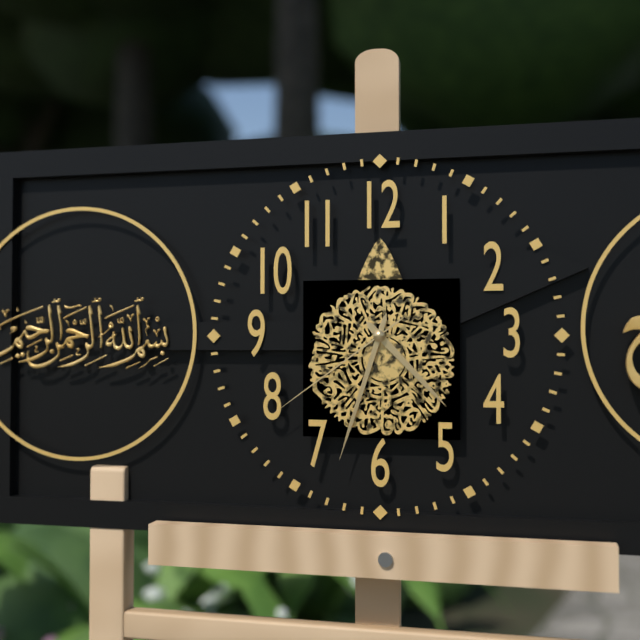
4:33:39
